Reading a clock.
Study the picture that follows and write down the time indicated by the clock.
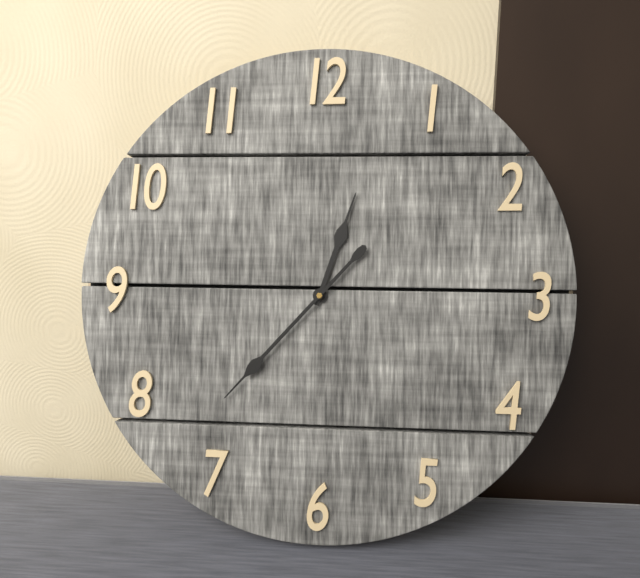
12:37
